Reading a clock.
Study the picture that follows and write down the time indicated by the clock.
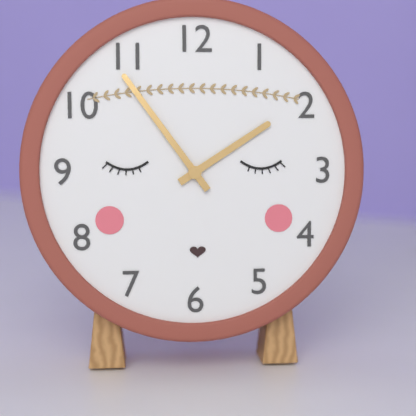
1:54
